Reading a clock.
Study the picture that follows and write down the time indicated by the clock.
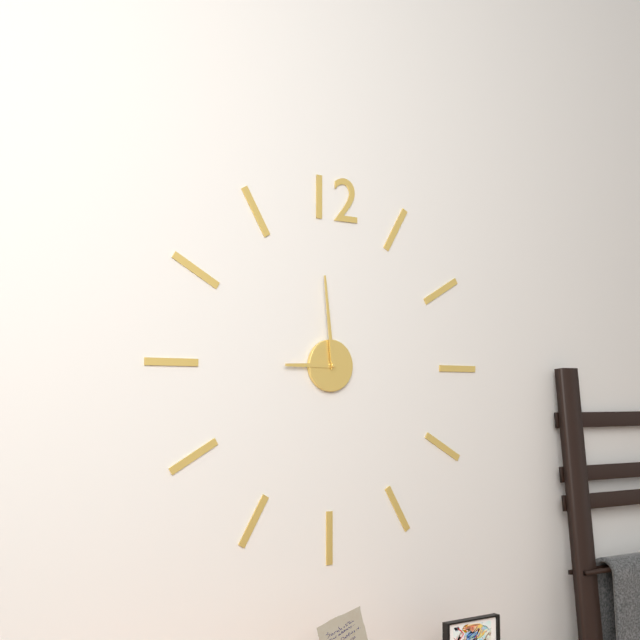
8:59
